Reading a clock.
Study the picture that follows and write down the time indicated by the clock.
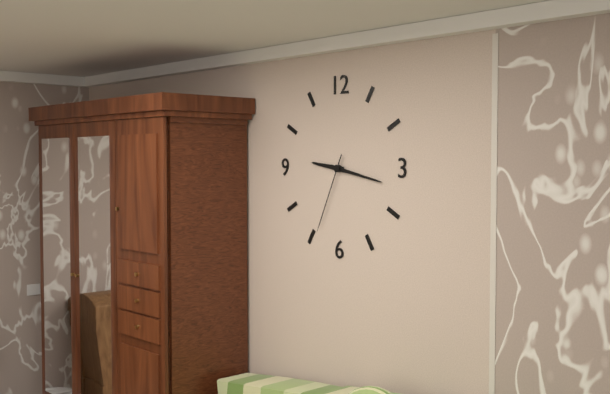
9:17:34
